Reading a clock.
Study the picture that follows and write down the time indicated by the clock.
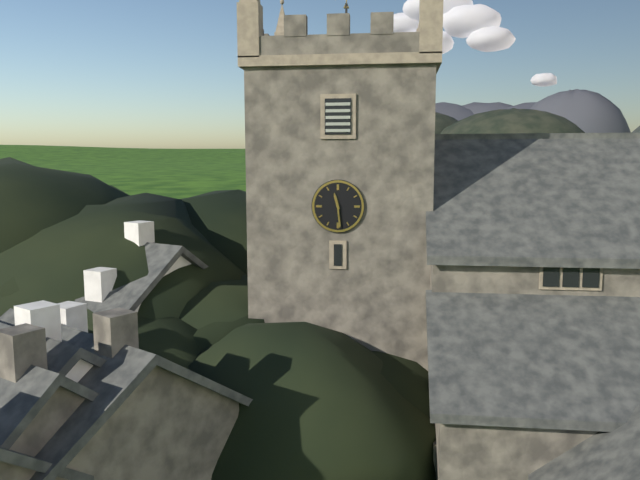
11:29
